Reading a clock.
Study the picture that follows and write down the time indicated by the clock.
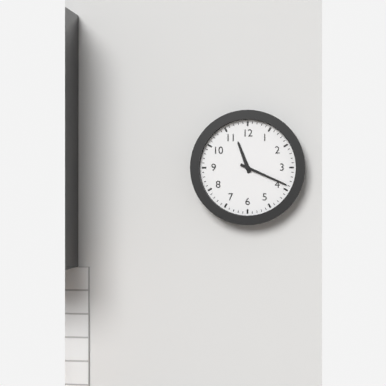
11:19
